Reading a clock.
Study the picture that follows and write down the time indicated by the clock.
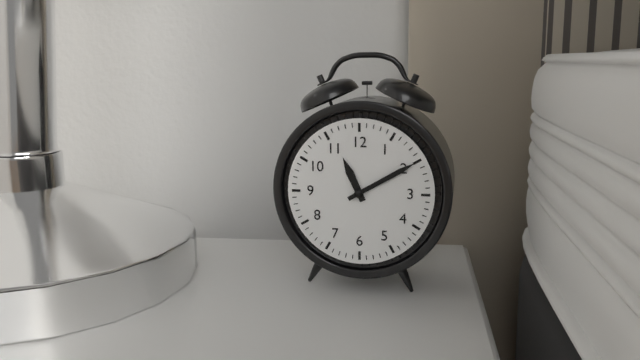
11:10
